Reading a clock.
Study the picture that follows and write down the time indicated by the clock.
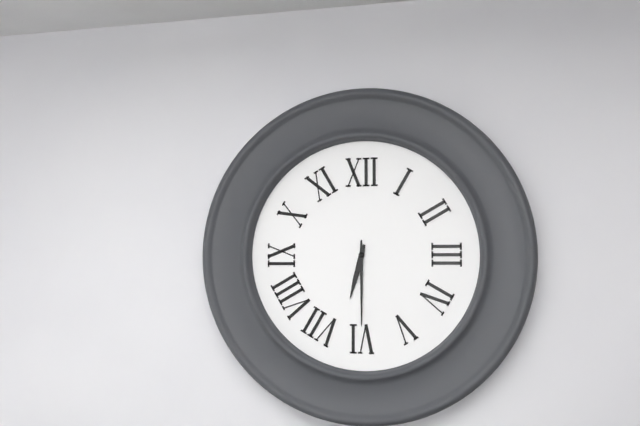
6:30
